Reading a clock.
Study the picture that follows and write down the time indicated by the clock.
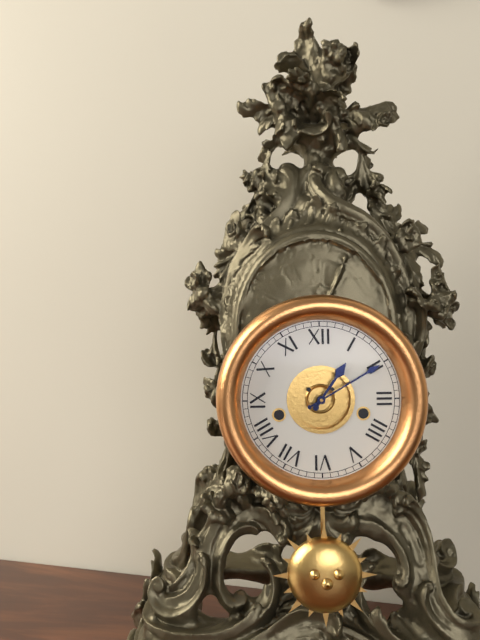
1:10
